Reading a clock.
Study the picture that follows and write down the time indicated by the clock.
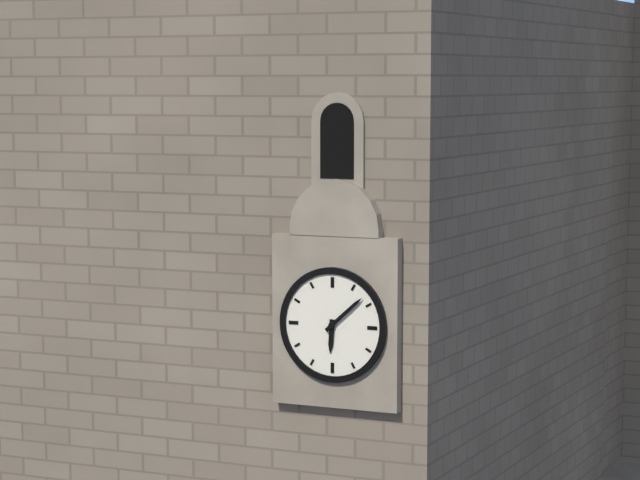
6:08
